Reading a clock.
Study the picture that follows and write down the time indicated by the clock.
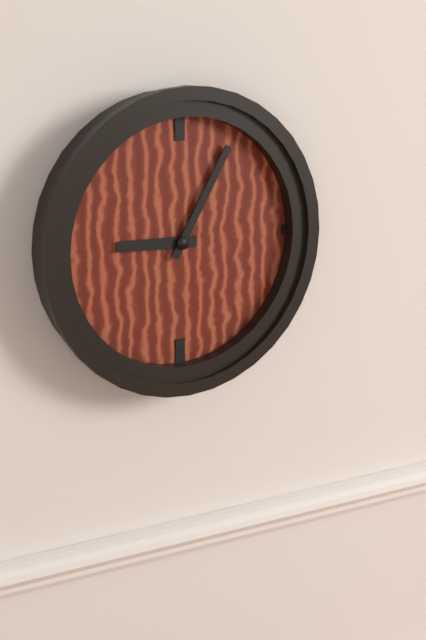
9:05
